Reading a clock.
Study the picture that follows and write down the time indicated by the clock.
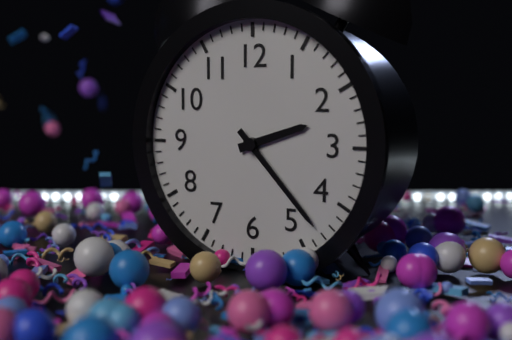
2:23
